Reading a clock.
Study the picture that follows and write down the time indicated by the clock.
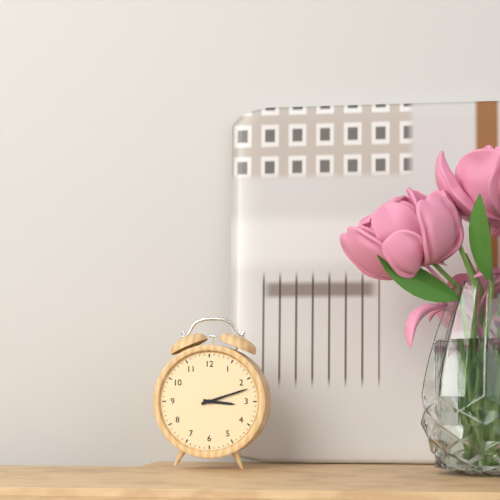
3:12
